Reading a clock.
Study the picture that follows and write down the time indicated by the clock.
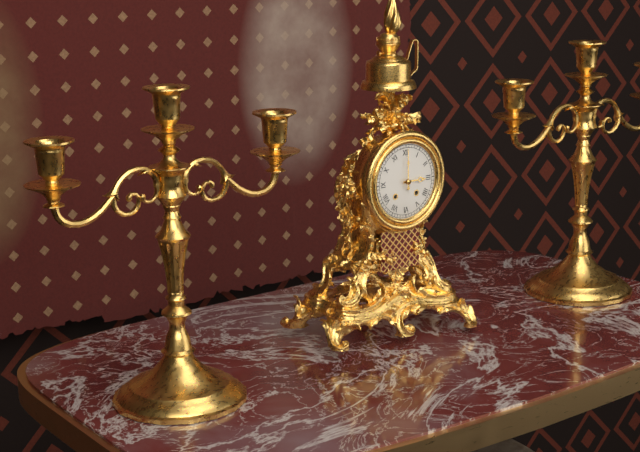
3:00
